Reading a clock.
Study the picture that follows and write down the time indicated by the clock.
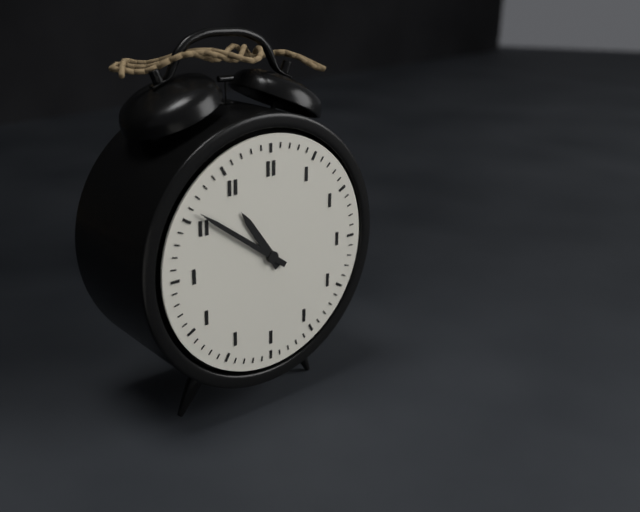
10:51
